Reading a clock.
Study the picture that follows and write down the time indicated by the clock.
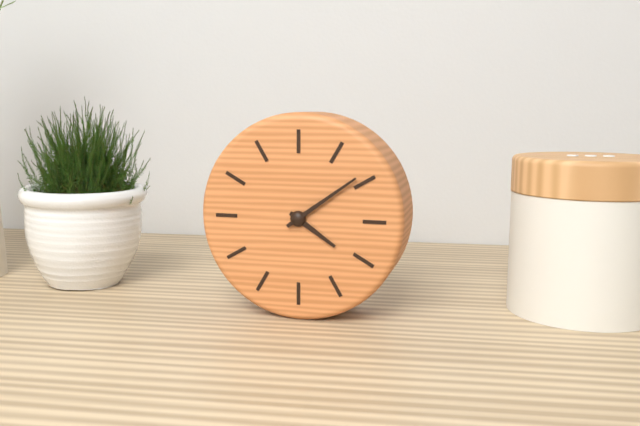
4:09
